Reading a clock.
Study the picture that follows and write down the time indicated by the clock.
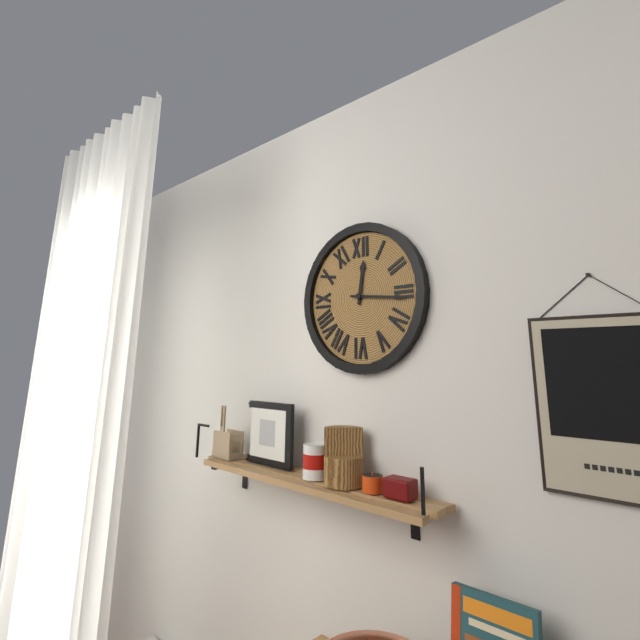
12:16
